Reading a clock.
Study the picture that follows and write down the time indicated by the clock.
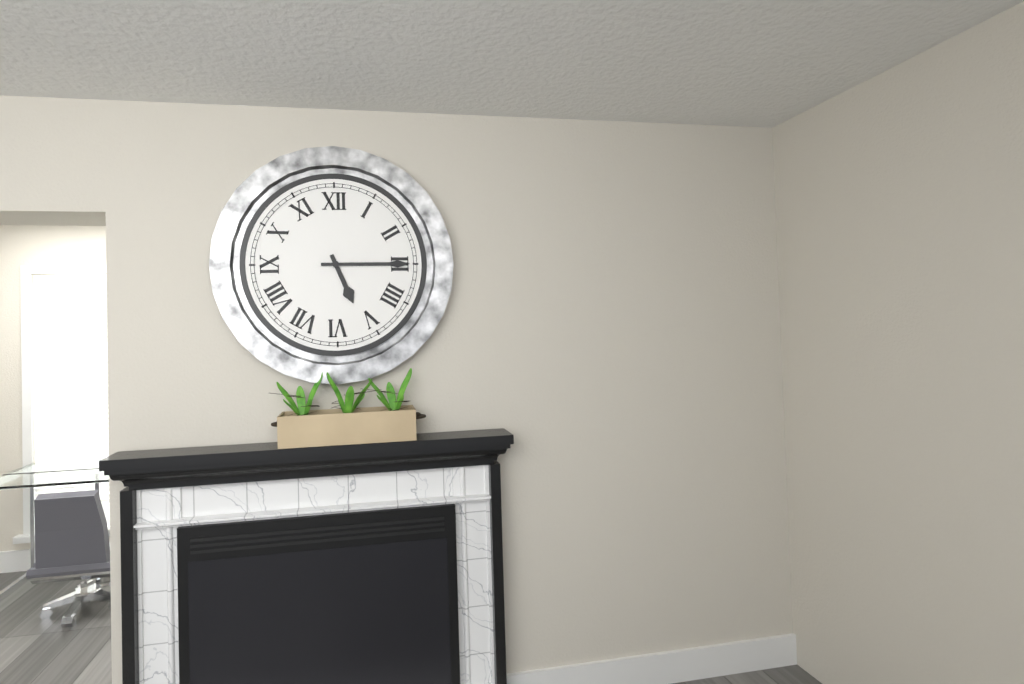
5:15
